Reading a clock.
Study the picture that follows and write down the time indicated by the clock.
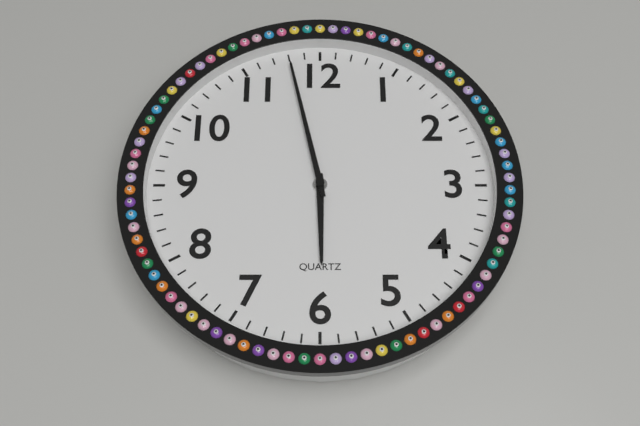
5:58
